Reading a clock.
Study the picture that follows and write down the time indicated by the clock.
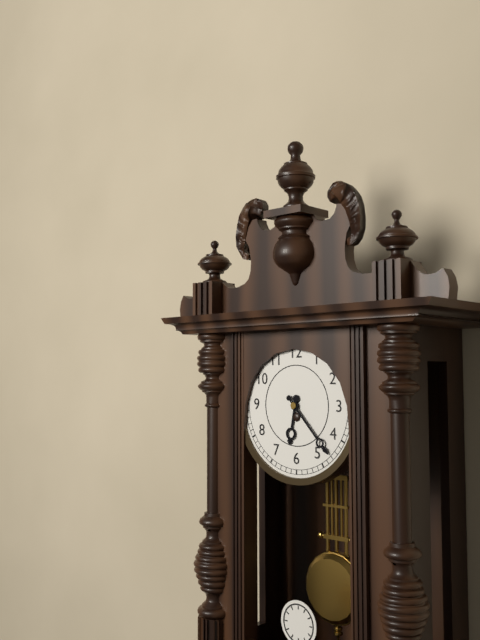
6:23
